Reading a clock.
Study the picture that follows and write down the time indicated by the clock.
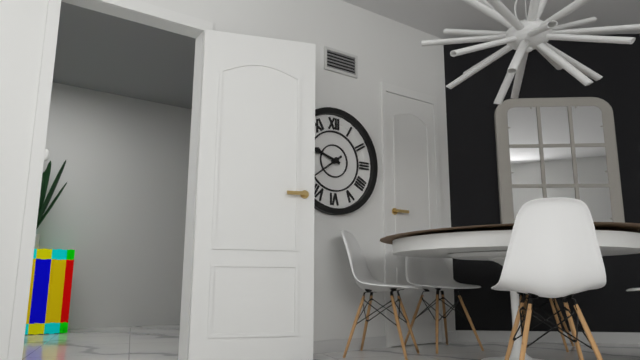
9:39
